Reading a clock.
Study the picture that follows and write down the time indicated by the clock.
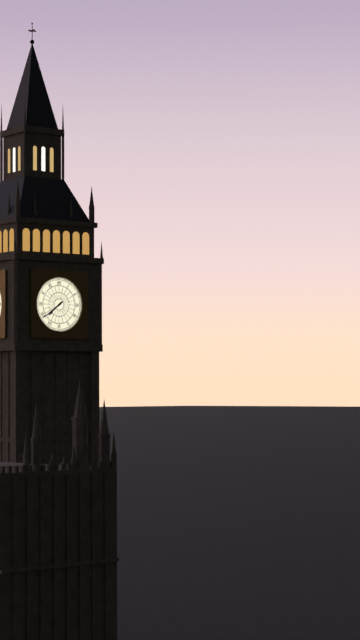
7:39
